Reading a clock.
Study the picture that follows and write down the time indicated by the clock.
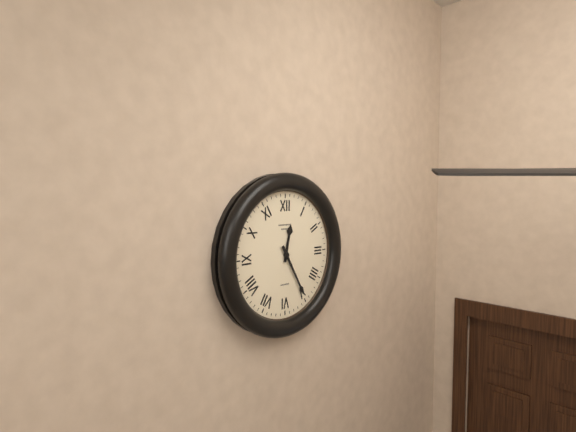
12:25
